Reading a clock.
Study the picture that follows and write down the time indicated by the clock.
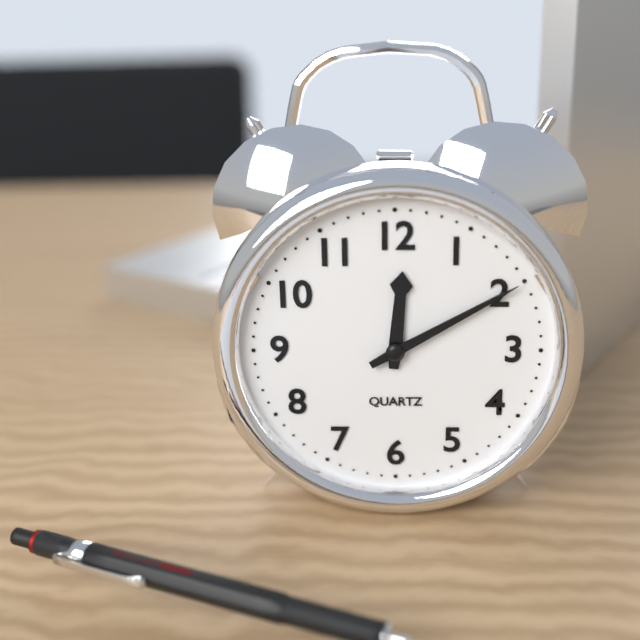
12:10
